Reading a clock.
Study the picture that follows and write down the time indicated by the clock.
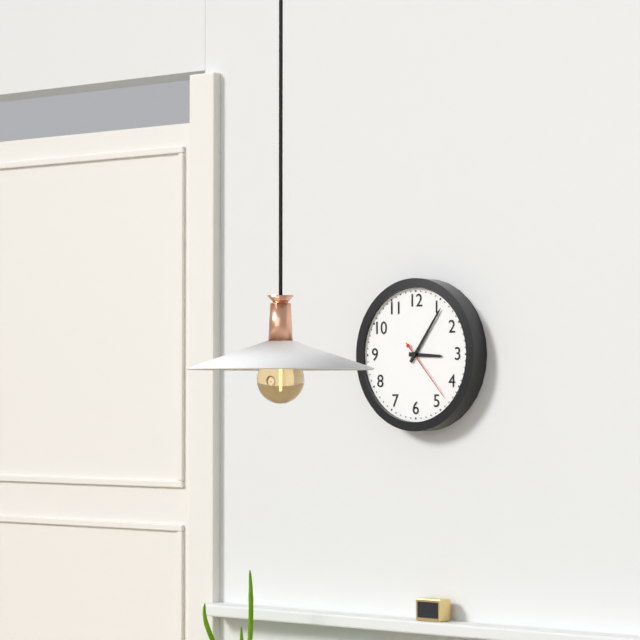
3:06:23
